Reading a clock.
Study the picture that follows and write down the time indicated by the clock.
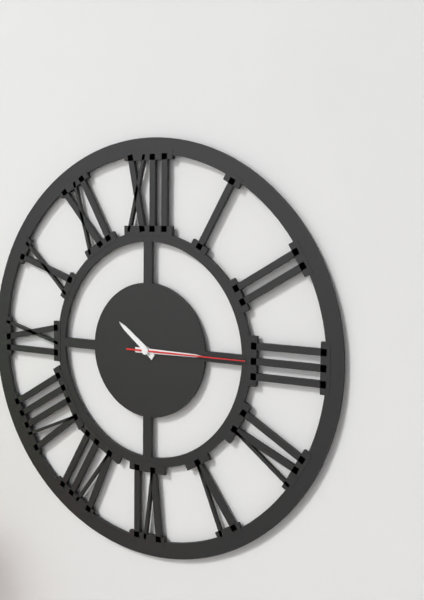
10:15:15
